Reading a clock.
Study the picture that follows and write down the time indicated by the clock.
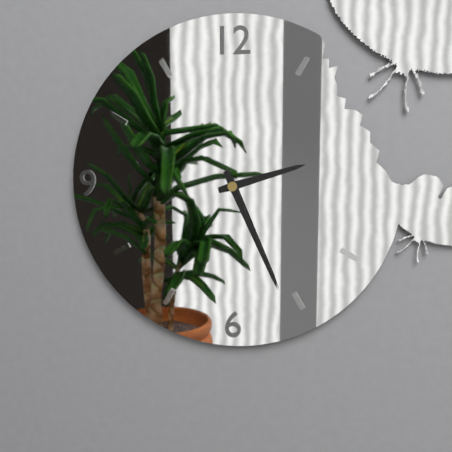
2:26
